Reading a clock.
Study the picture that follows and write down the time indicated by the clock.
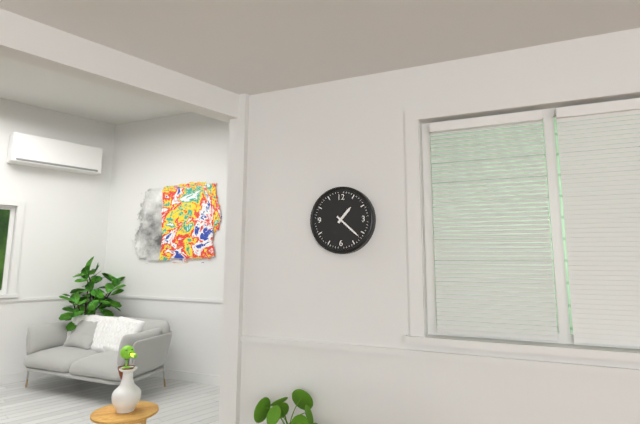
1:22
